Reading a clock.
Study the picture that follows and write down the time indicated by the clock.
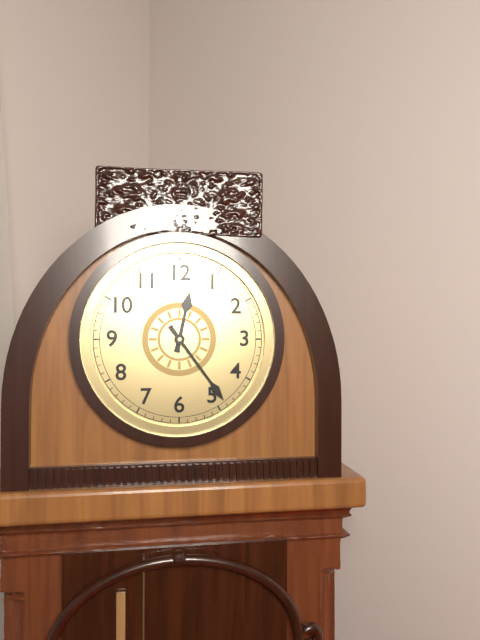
12:24
